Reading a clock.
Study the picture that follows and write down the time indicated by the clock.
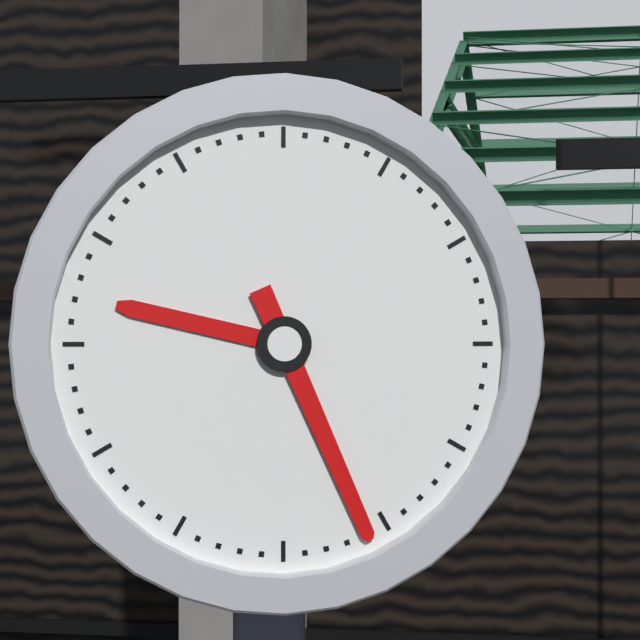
9:26
